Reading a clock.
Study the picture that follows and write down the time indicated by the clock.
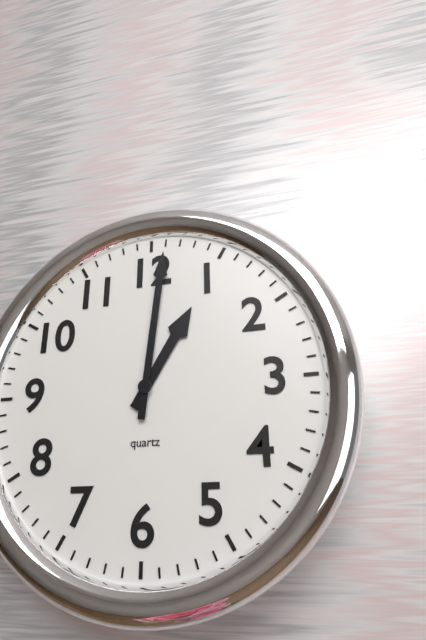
1:01
